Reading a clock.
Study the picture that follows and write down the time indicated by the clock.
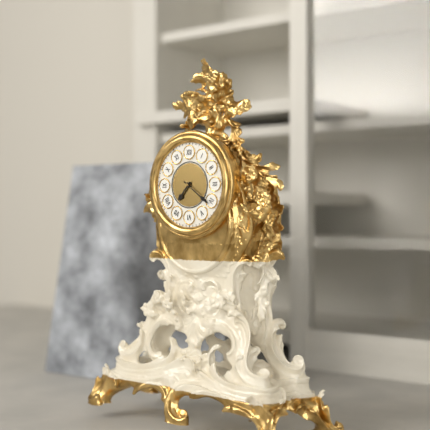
7:21
